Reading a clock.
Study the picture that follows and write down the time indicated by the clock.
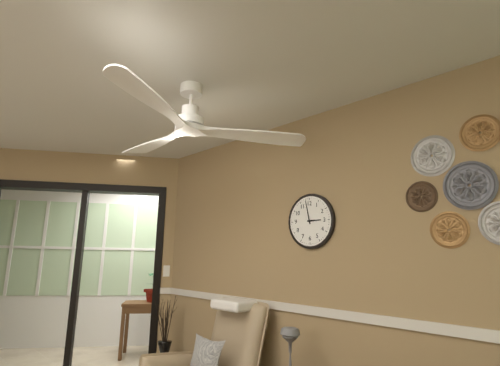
2:58
